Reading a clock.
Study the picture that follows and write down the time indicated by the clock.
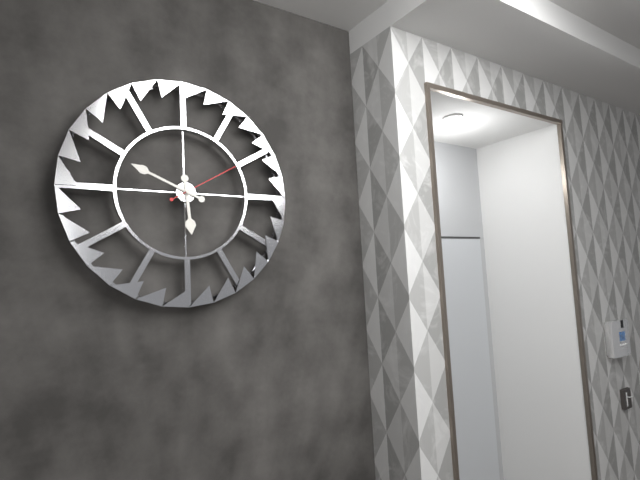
5:49:10
